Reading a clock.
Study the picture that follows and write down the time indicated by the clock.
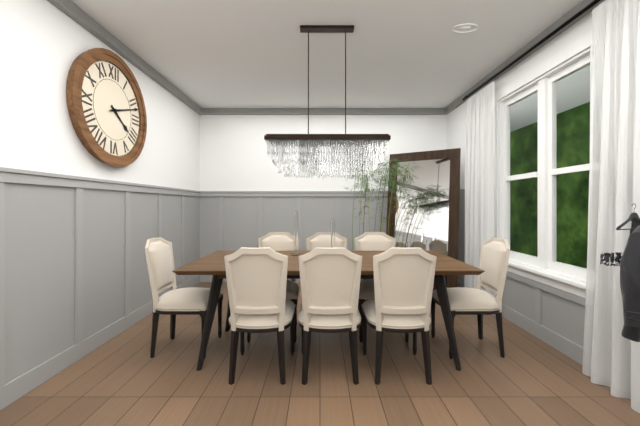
4:12
